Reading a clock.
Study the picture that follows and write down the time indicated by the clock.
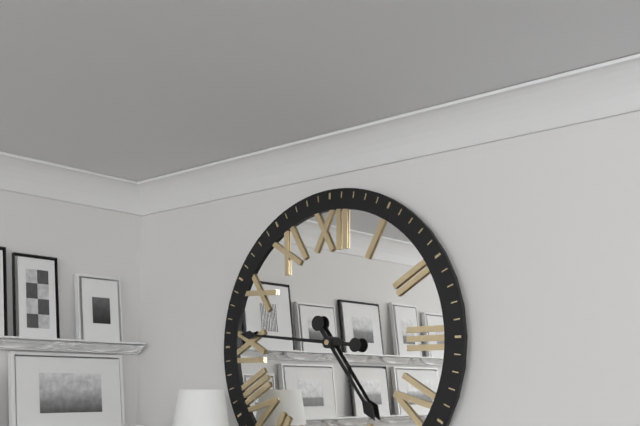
4:46
